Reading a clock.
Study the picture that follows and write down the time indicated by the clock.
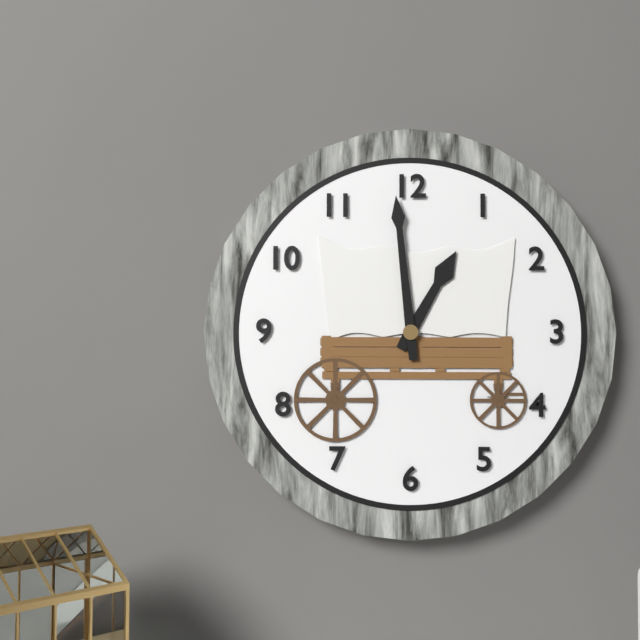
12:59
